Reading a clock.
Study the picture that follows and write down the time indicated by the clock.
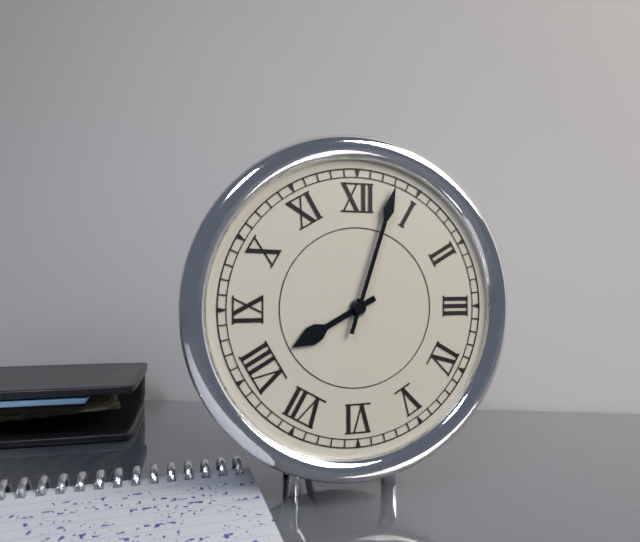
8:03
